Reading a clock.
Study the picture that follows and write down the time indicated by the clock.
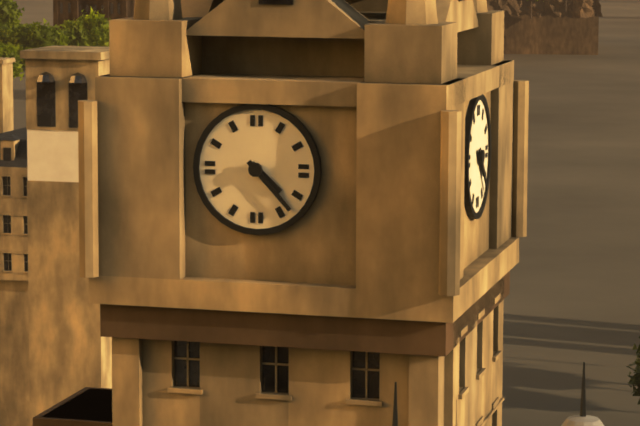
4:23
